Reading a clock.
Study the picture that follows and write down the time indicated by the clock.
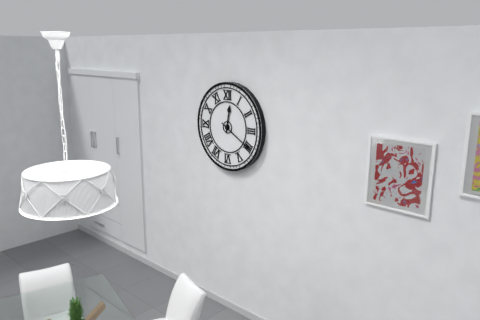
12:20
